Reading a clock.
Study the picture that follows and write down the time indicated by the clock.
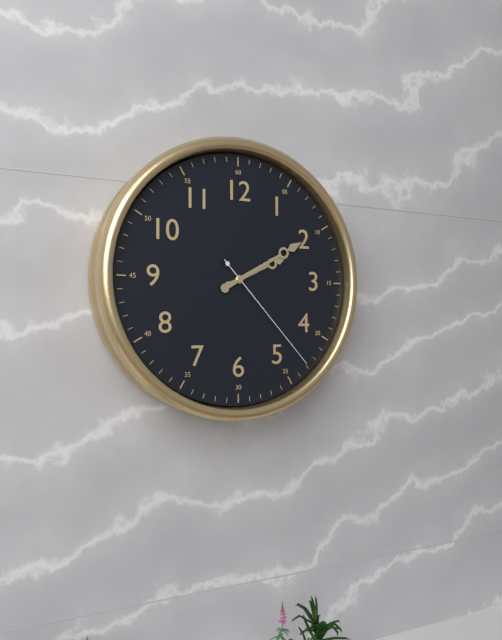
2:10:23
